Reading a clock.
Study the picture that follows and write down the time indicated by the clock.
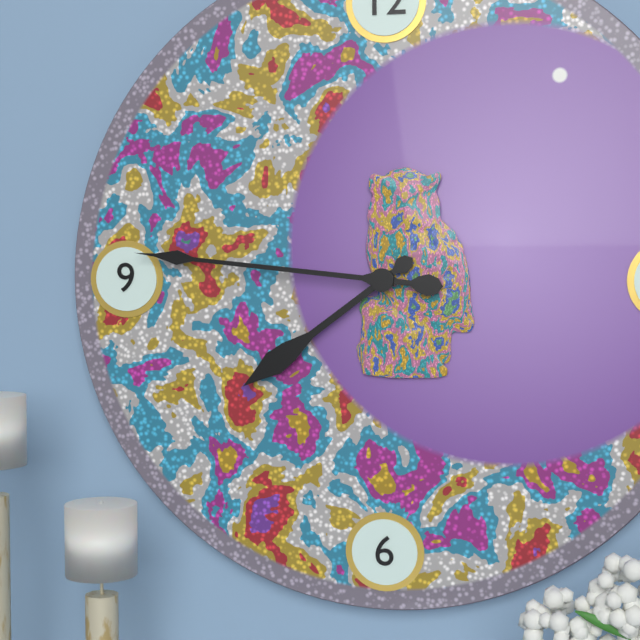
7:46
